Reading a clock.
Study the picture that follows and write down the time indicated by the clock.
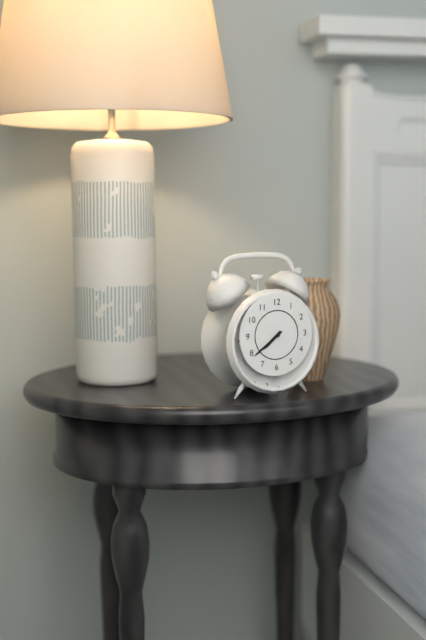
7:39
